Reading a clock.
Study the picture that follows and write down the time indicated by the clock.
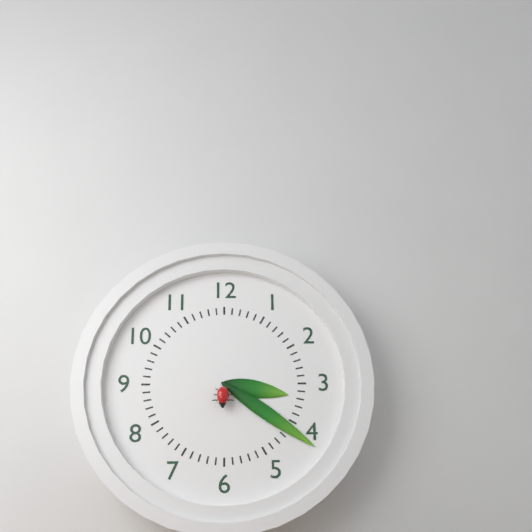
3:21
